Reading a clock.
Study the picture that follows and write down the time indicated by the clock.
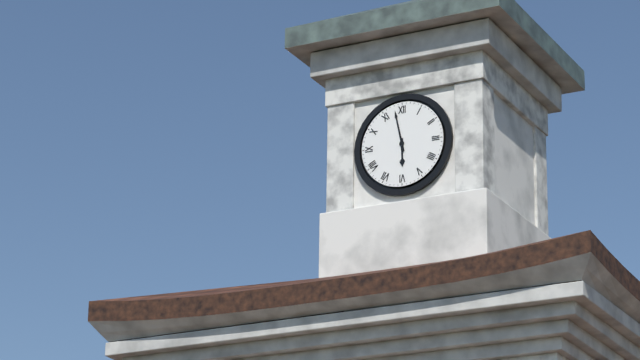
5:58
